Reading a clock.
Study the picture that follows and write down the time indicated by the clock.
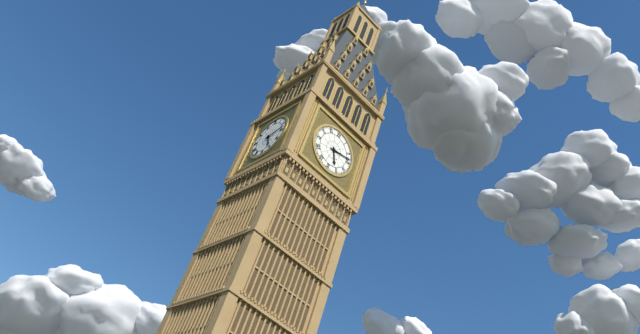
5:13
